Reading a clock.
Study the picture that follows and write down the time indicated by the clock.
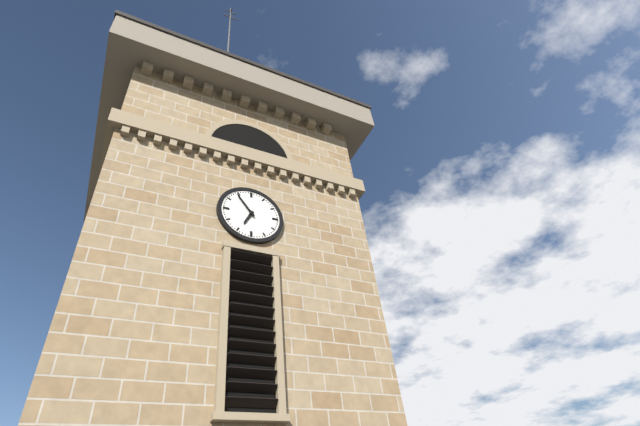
6:54
